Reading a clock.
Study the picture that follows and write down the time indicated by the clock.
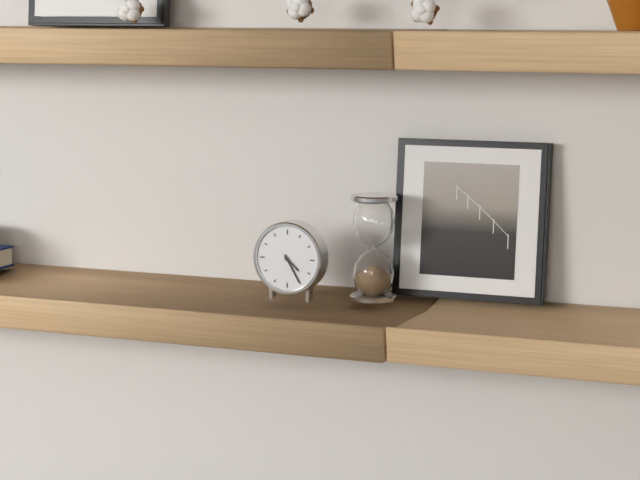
4:25
